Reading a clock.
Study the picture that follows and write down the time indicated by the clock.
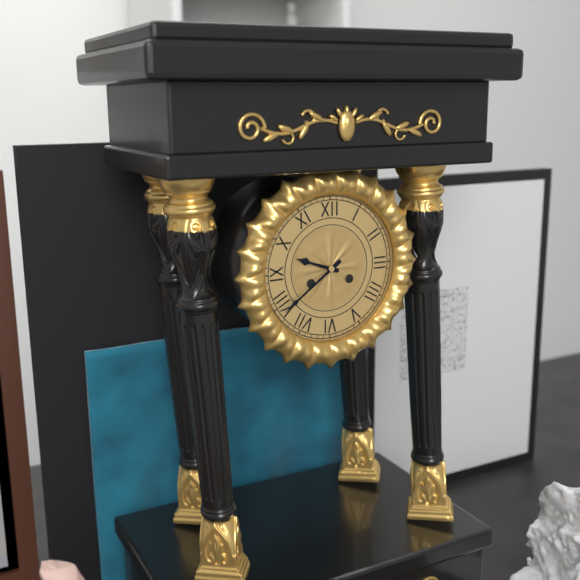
9:39
